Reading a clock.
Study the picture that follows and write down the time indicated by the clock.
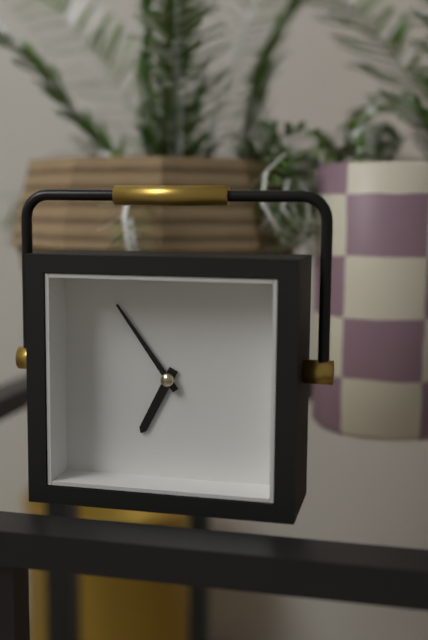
6:54
